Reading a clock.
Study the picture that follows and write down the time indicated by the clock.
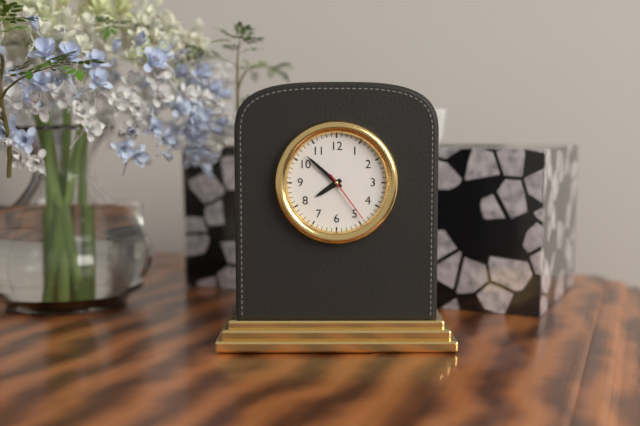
7:52:24
